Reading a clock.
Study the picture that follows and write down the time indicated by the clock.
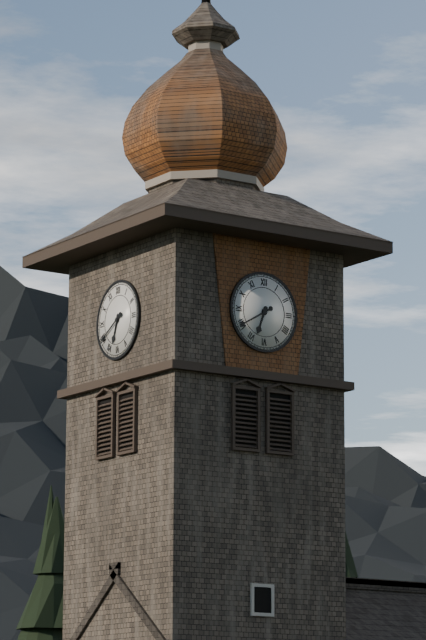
6:40
